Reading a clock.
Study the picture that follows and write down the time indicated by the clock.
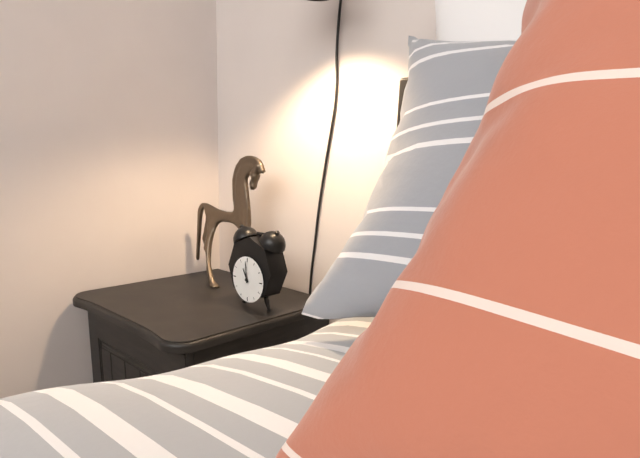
10:59
